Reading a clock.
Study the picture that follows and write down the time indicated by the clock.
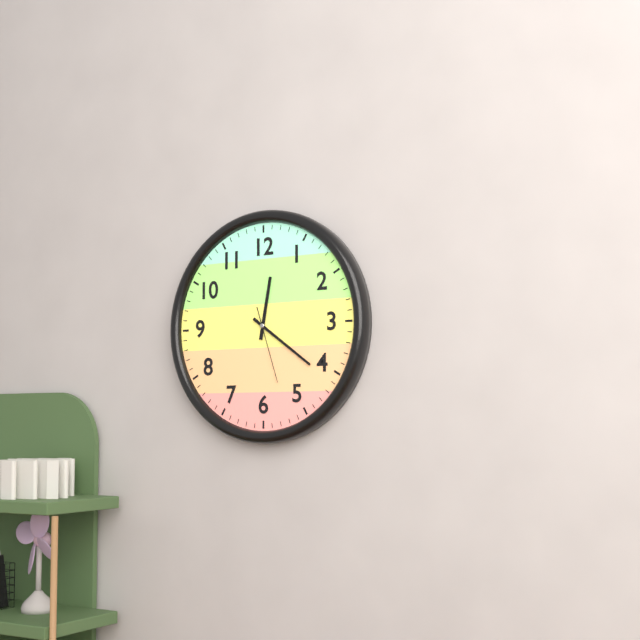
12:21:27
